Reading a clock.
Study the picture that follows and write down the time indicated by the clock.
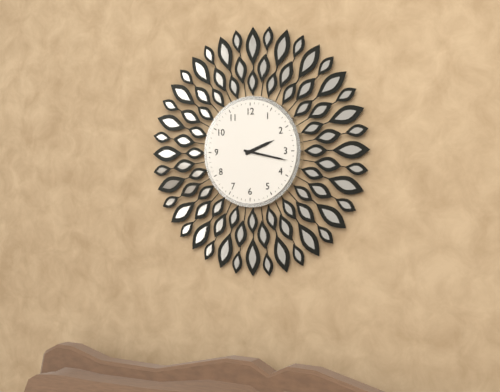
2:17
